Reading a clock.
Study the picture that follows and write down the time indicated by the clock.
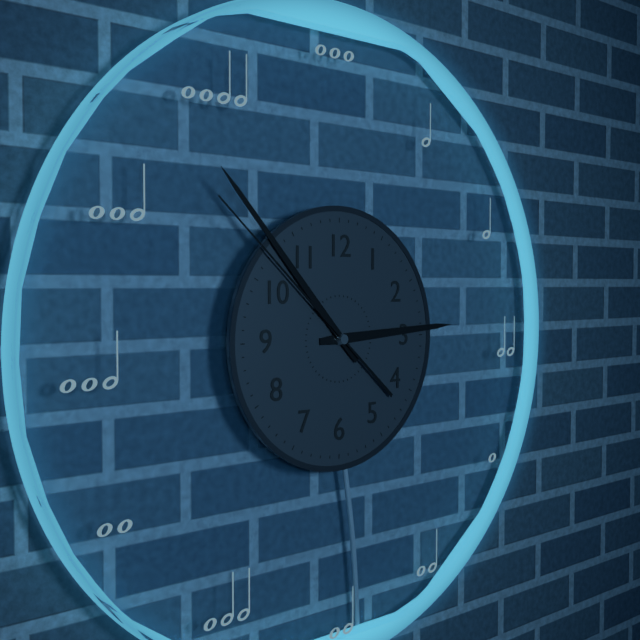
2:53:52
